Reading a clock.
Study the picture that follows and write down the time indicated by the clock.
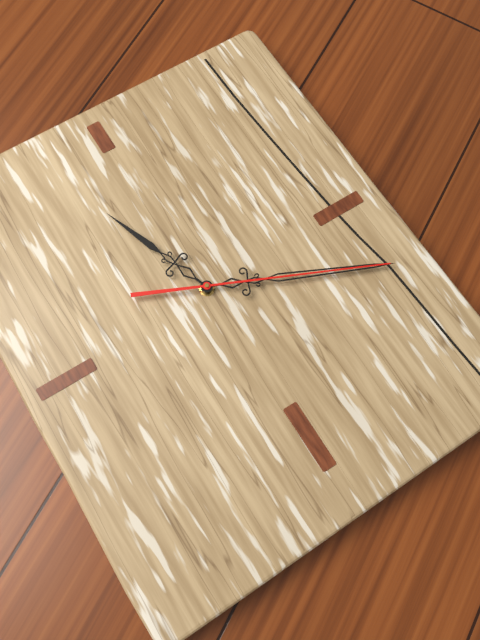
11:19:19
